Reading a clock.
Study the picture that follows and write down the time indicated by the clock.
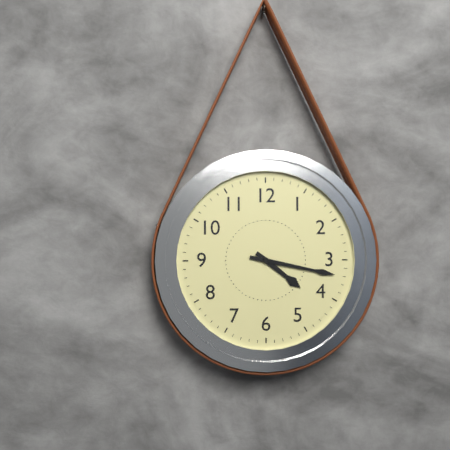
4:17
